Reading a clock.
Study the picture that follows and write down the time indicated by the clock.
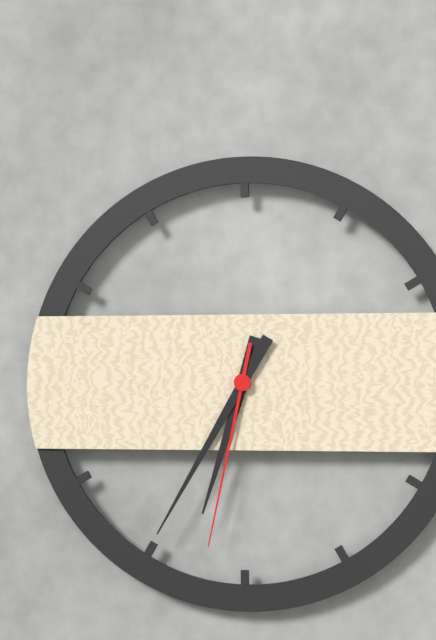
6:35:32
